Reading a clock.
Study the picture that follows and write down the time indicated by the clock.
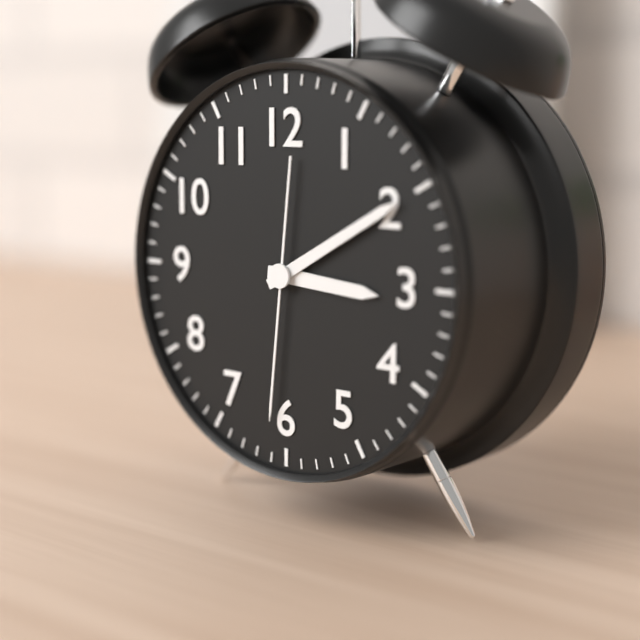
3:10:31
